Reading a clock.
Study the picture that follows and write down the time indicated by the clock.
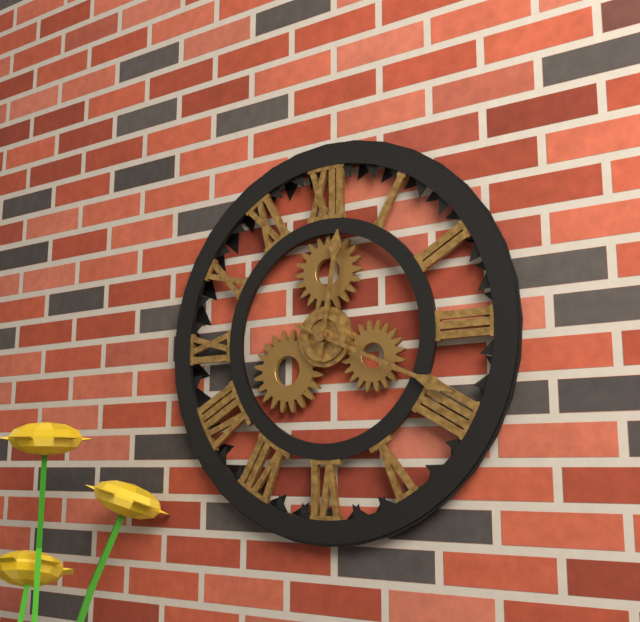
12:19
